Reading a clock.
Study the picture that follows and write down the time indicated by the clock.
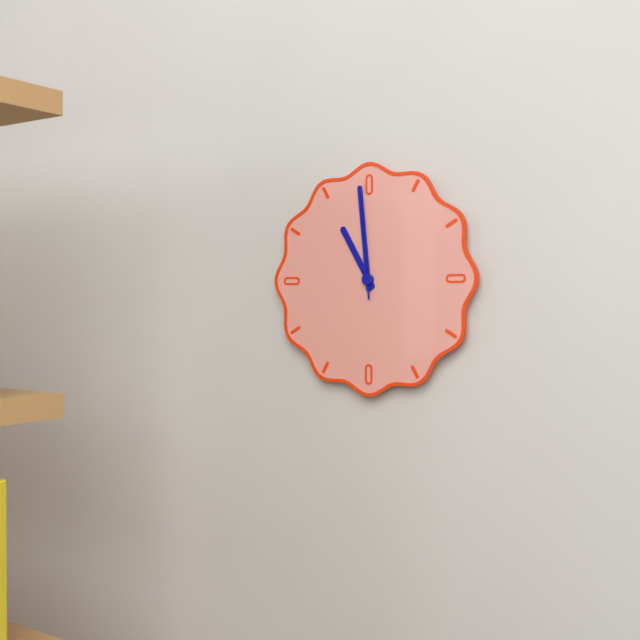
10:59:59
